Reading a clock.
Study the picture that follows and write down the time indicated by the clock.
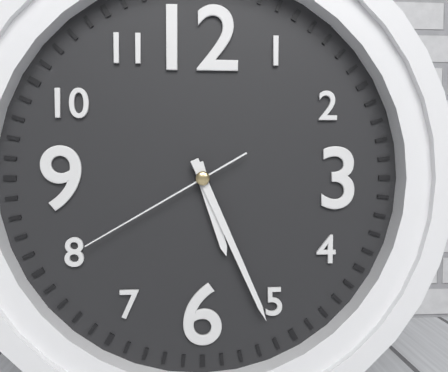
5:26:40
